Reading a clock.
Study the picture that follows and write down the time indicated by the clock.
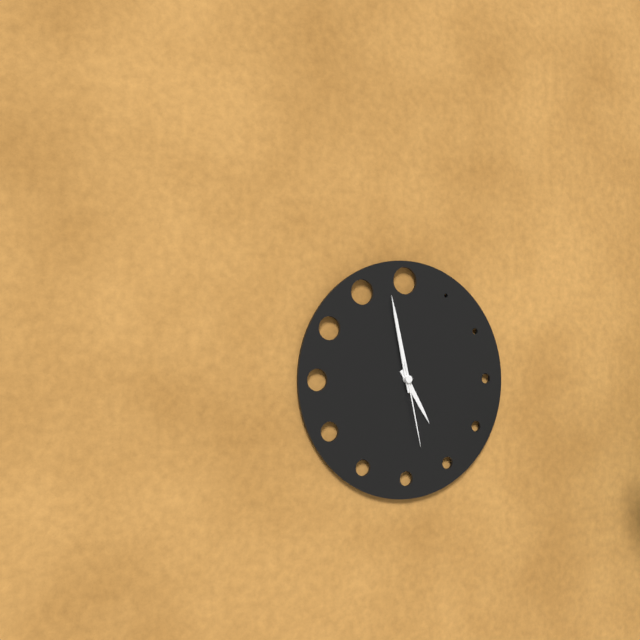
4:58:28
